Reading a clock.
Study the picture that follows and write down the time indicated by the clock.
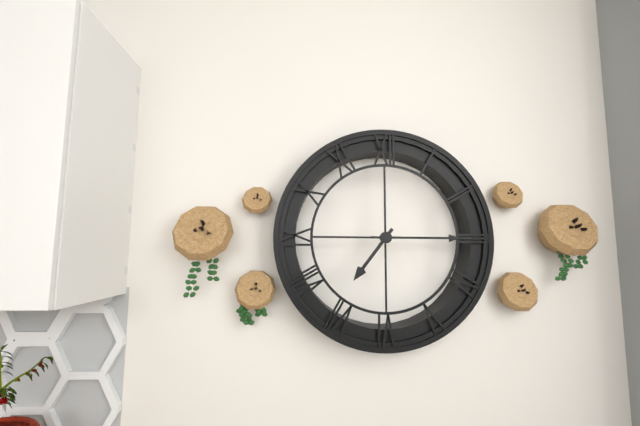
7:15
